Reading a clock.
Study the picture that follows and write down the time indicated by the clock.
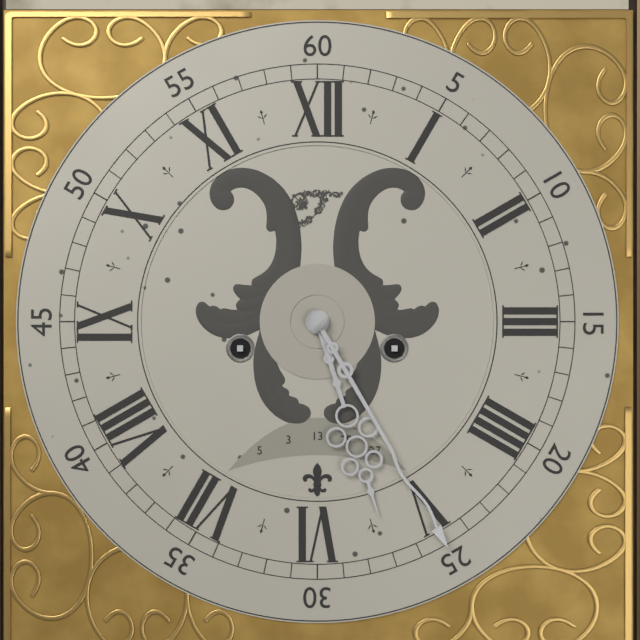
5:25
